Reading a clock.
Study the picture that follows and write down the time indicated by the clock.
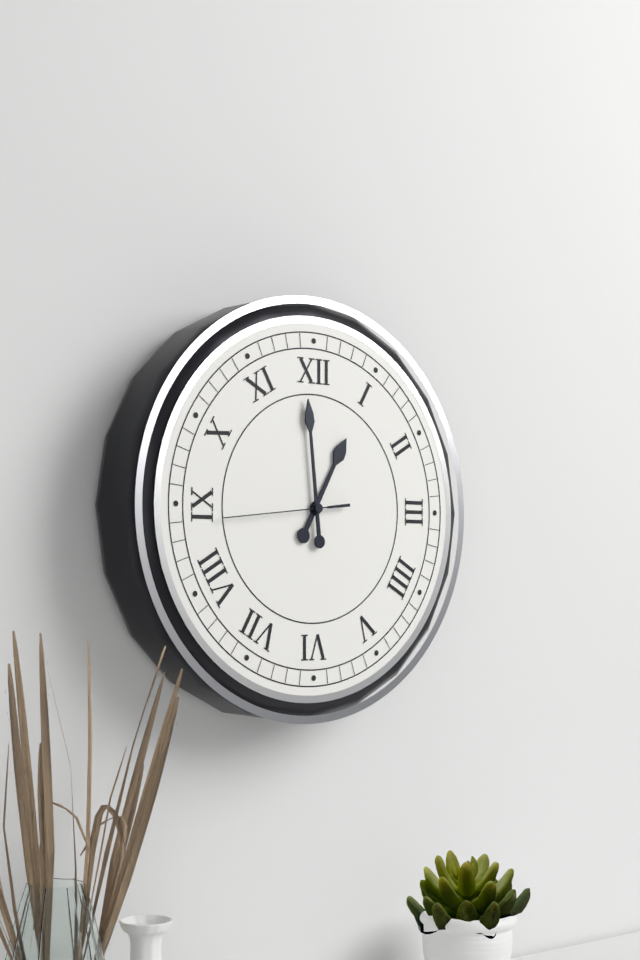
12:59:44
